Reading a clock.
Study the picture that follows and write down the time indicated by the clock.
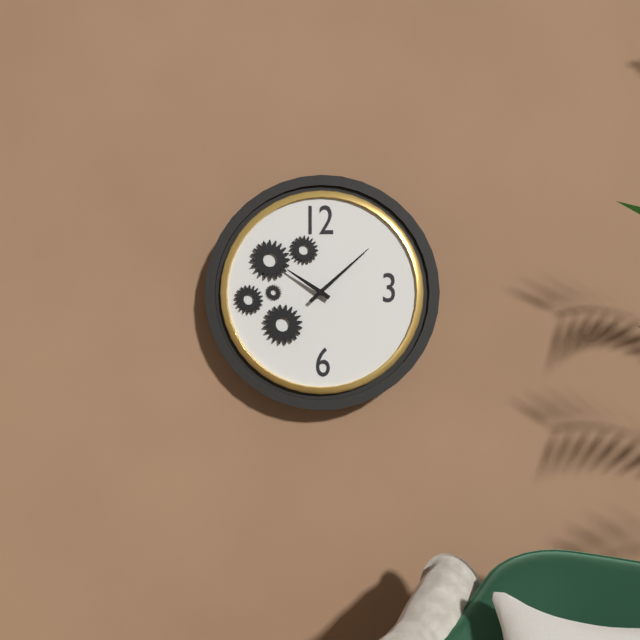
10:08
